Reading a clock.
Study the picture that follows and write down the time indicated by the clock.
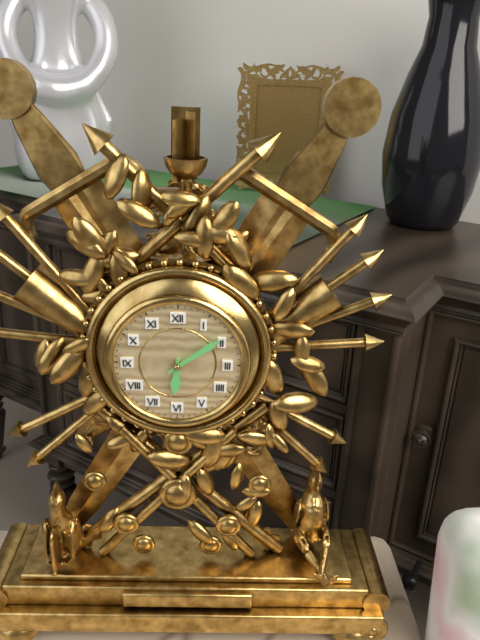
6:09
